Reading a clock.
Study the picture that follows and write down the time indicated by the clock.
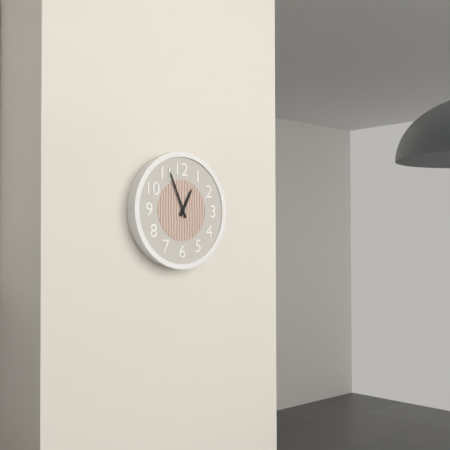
12:56
